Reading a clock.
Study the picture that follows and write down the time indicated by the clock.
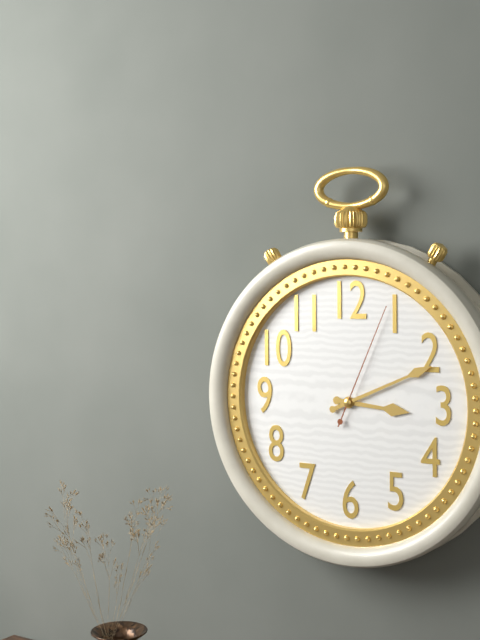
3:11:04
